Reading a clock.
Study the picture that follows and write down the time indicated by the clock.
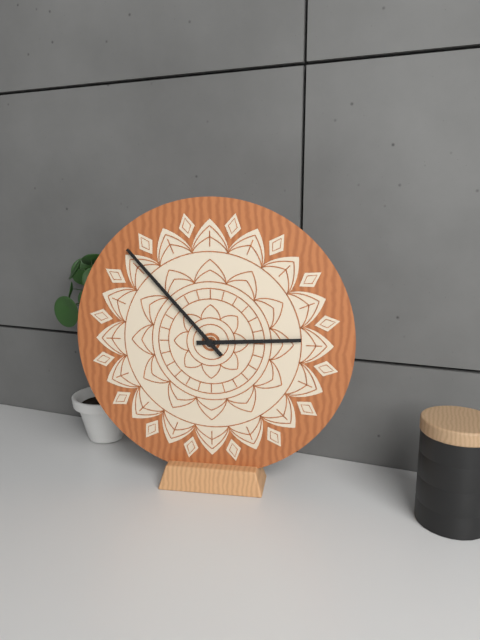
2:53
